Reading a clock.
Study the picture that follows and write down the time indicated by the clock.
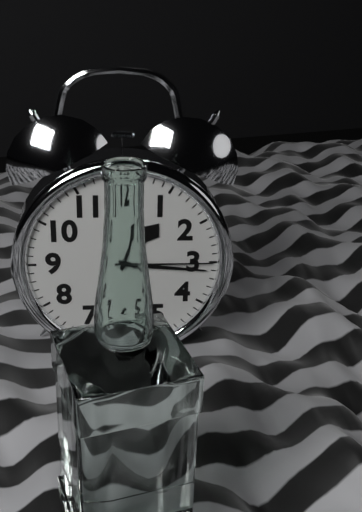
1:16:15
